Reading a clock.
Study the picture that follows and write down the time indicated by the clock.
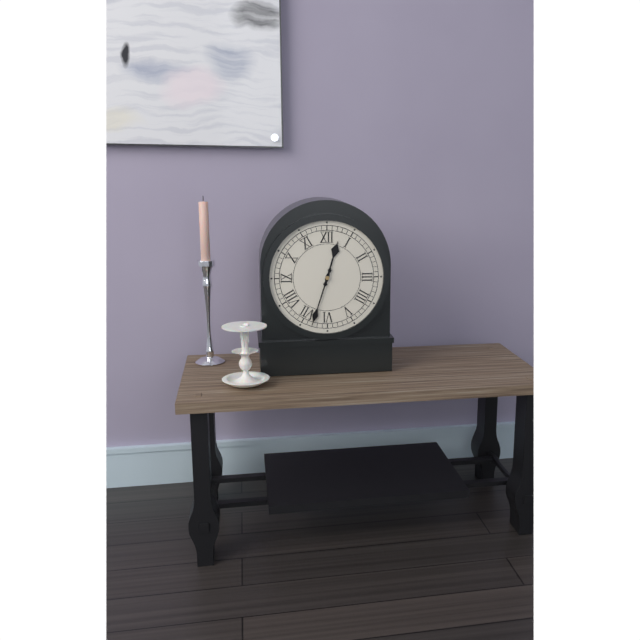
12:33
